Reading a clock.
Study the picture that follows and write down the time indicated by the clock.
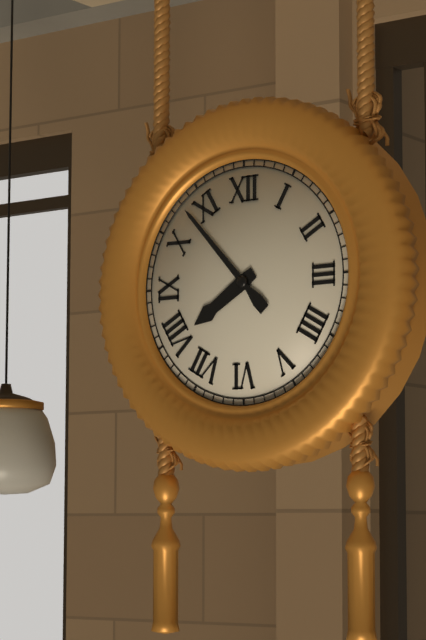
7:53
